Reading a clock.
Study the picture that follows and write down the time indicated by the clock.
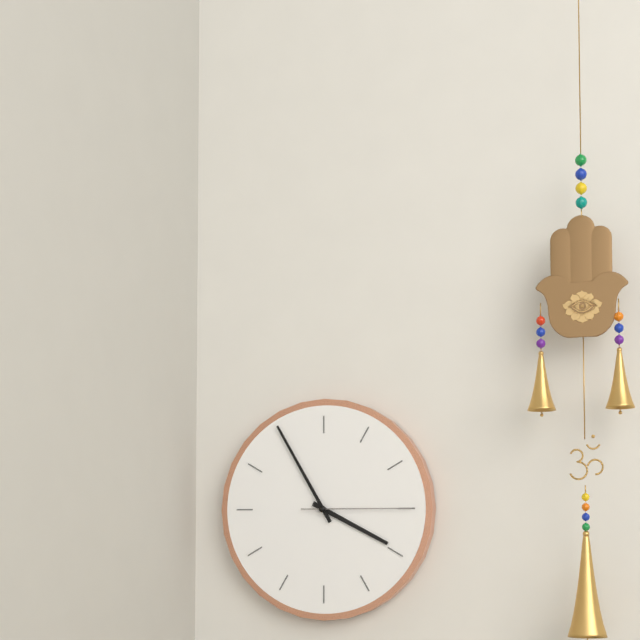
3:55:15
